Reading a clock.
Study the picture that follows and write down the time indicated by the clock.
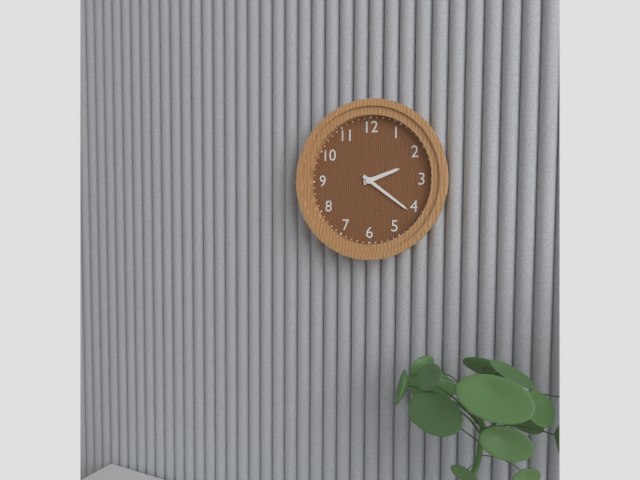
2:21
